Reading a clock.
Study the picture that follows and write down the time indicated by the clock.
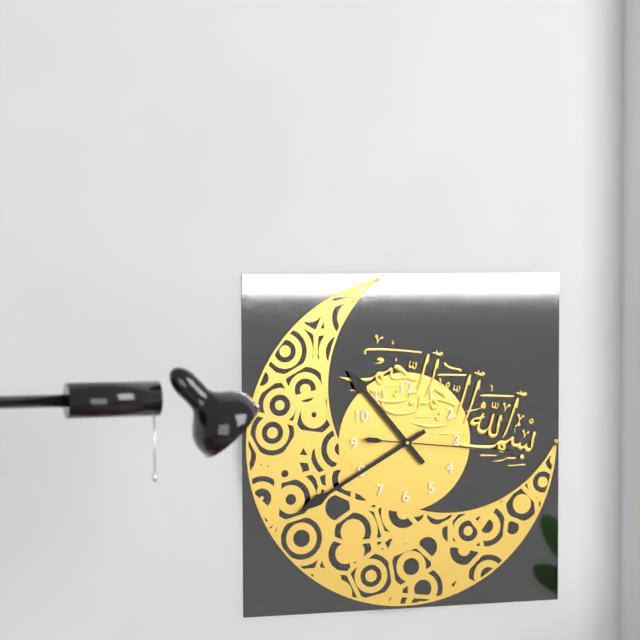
10:40:16
